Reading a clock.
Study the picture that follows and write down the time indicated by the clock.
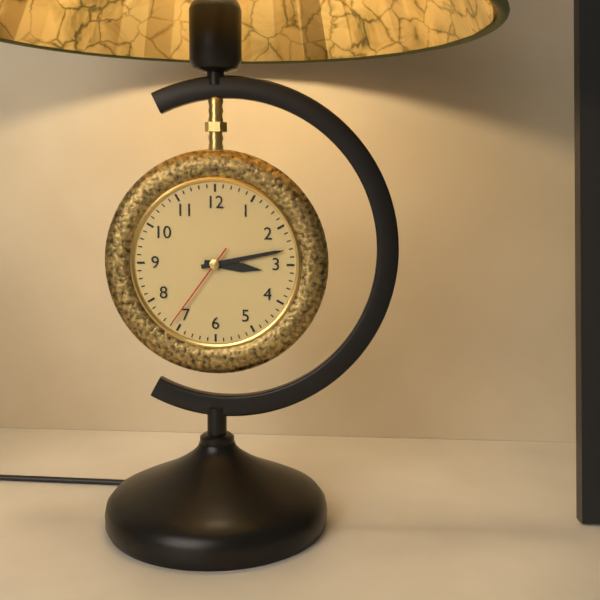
3:13:36
